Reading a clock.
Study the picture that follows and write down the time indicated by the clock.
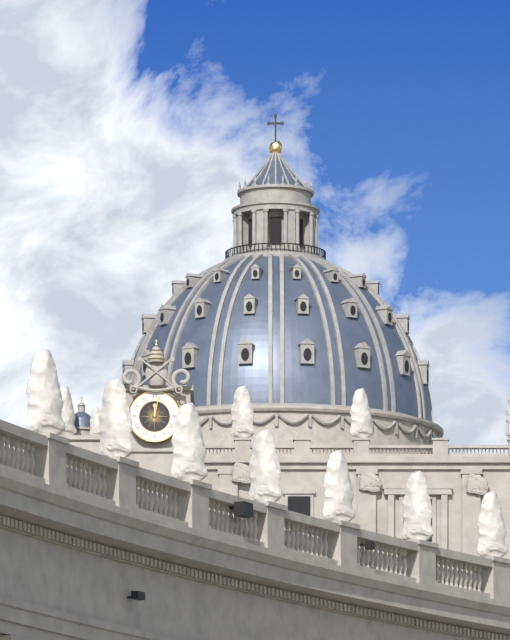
12:02
